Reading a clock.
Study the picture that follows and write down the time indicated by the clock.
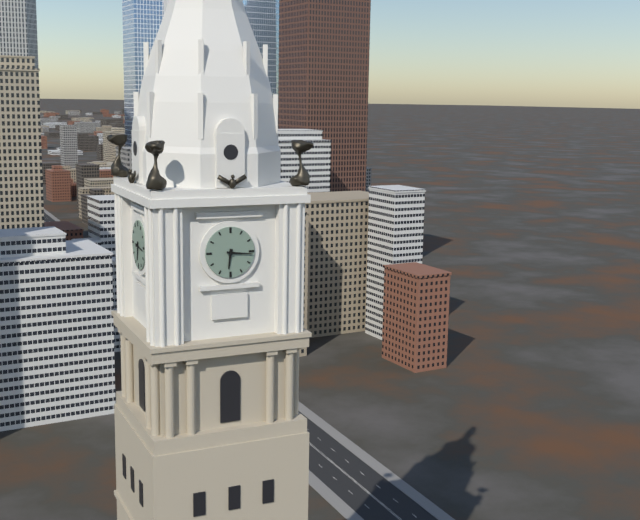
6:16
